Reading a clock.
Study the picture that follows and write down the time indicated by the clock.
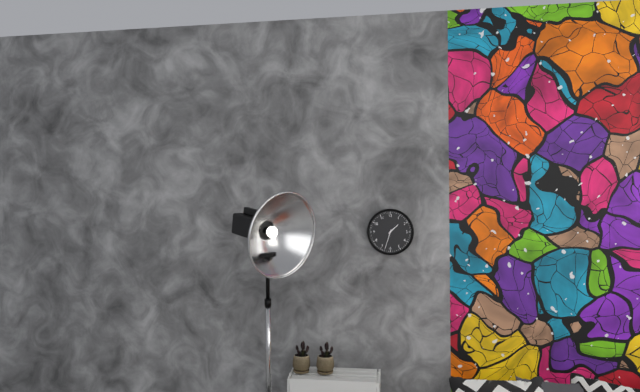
1:33
